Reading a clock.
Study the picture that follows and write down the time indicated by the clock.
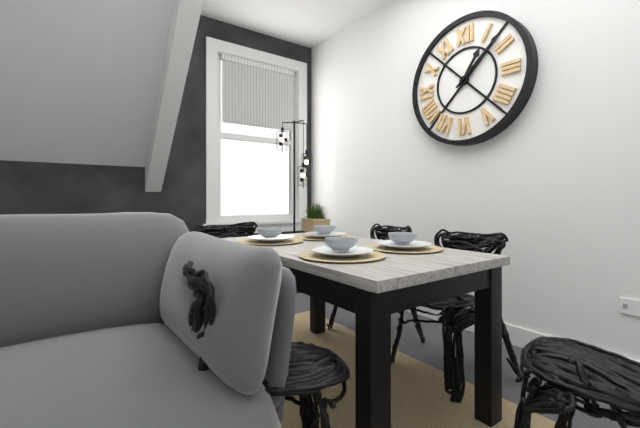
1:08
